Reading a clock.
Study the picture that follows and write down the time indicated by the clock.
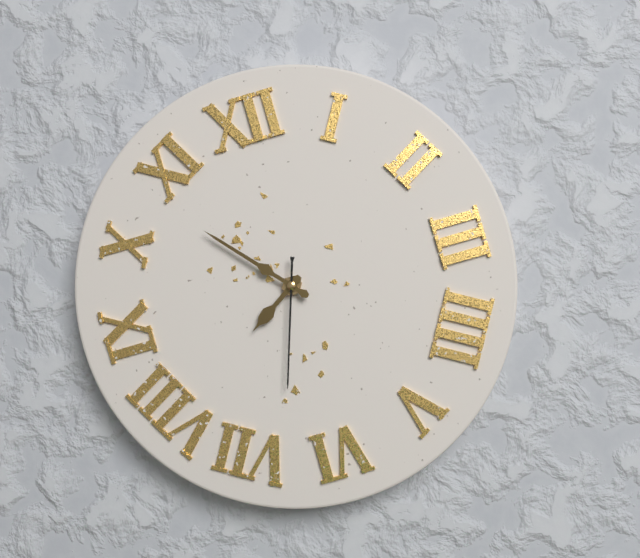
7:53:33
